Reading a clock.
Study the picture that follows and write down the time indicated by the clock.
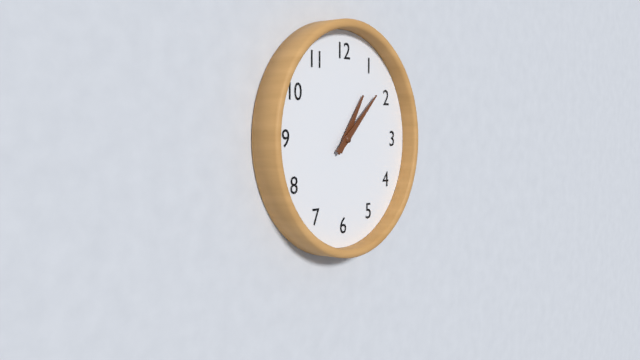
1:08
